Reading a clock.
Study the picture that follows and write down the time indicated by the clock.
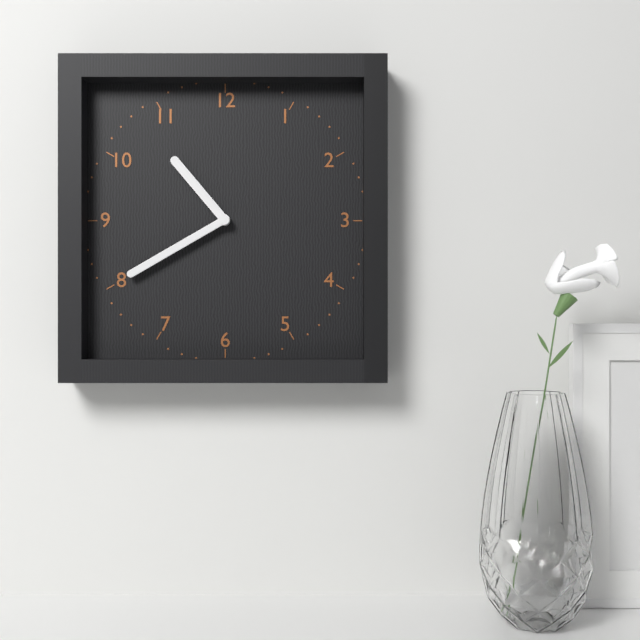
10:40
